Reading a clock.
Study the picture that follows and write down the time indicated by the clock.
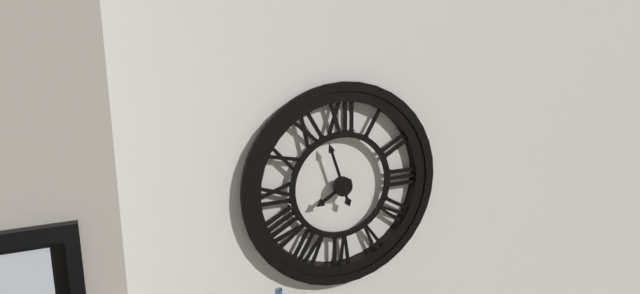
7:57
